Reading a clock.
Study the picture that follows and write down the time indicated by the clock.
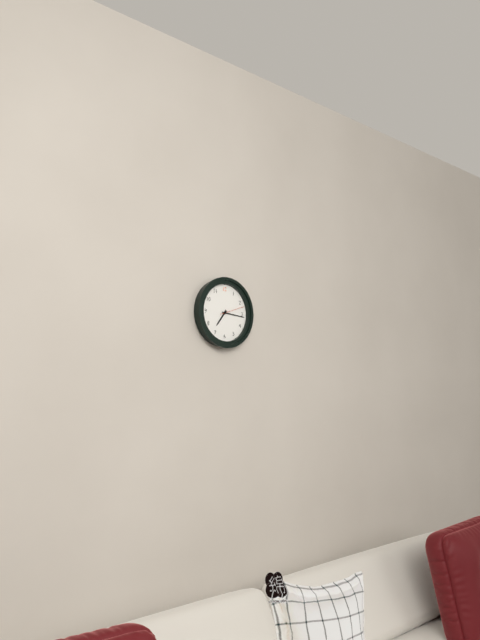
7:16
